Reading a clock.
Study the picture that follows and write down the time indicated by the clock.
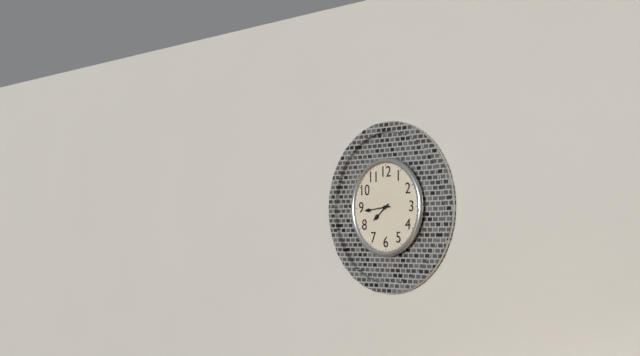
7:44
